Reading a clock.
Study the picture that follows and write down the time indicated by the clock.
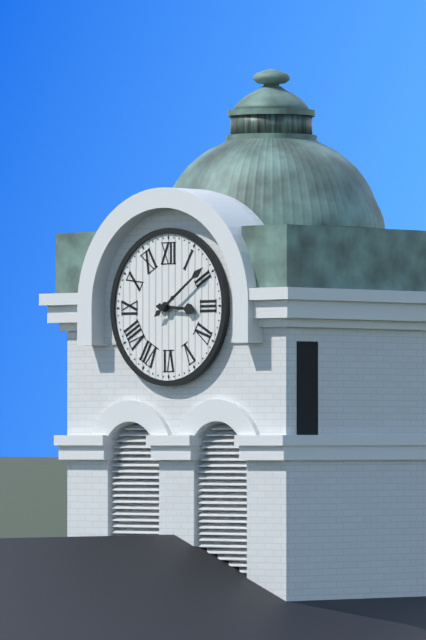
3:09
